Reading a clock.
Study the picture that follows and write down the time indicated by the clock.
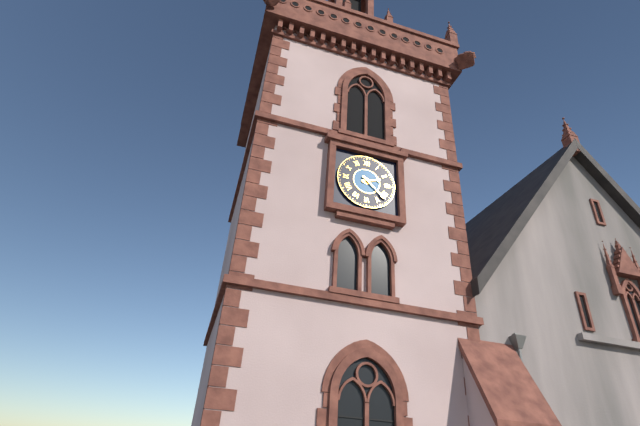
2:22
